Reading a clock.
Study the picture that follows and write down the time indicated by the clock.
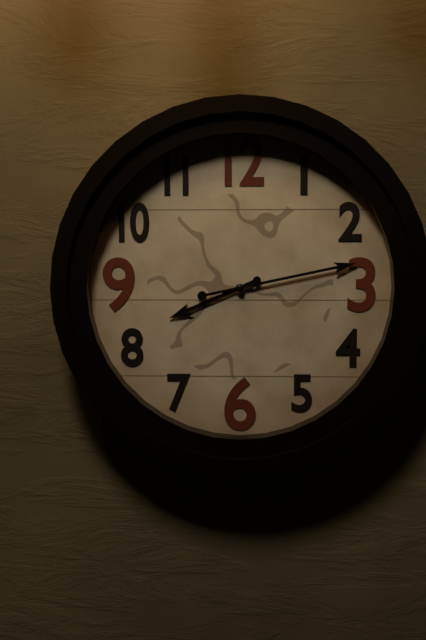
8:13
